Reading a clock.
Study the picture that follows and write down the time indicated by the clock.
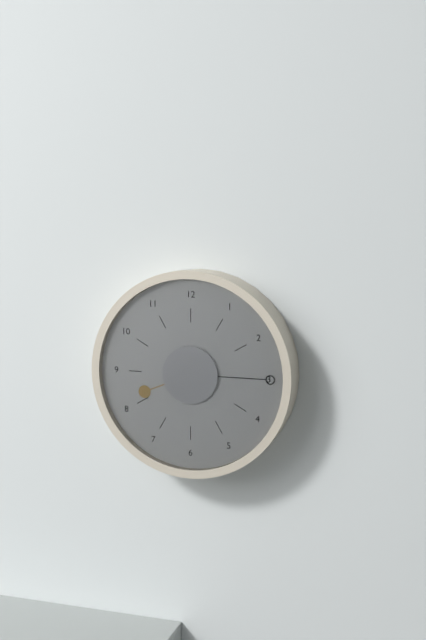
8:15
